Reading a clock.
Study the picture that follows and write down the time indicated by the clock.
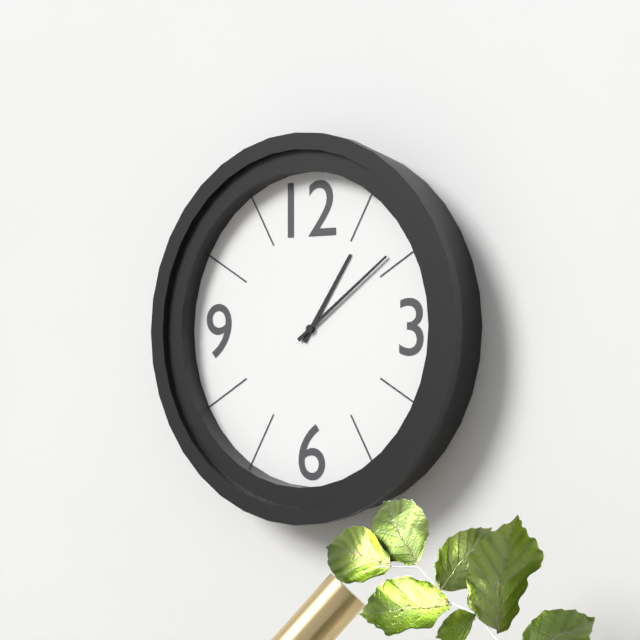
1:09
